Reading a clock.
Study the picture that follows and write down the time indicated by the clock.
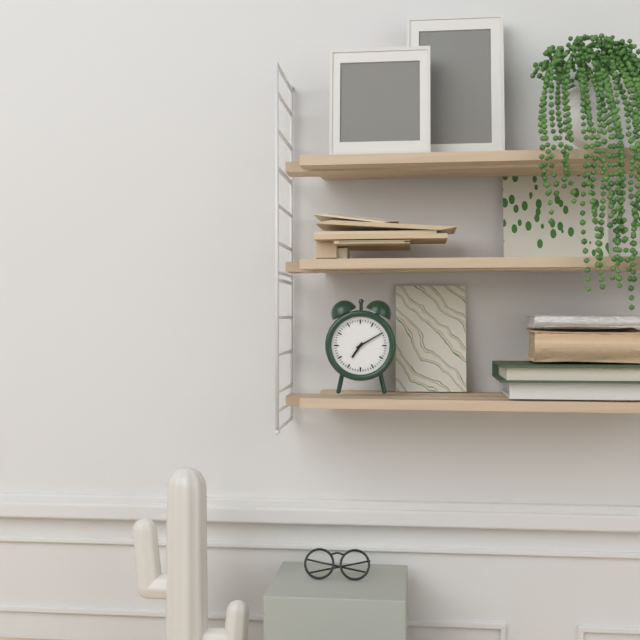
7:10
